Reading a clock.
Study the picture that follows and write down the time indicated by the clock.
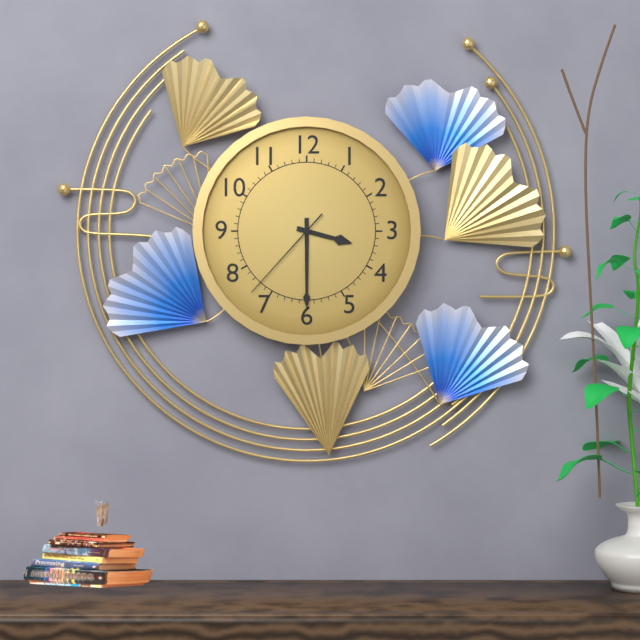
3:30:37
